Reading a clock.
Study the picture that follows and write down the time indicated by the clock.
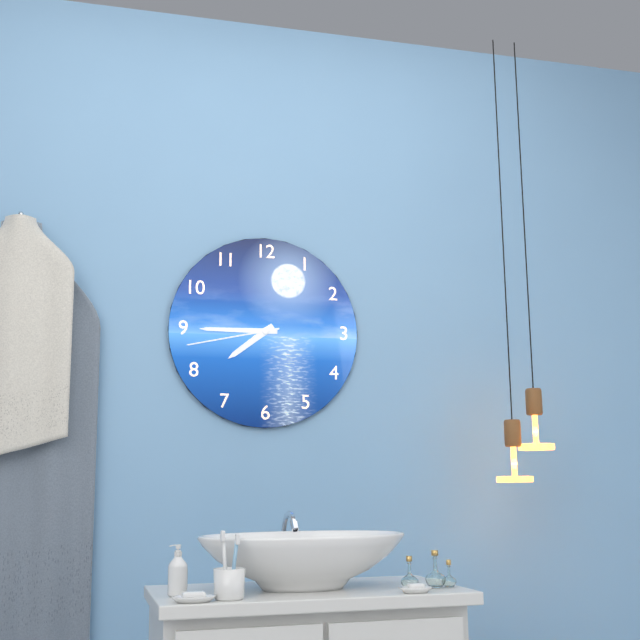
7:45:43
